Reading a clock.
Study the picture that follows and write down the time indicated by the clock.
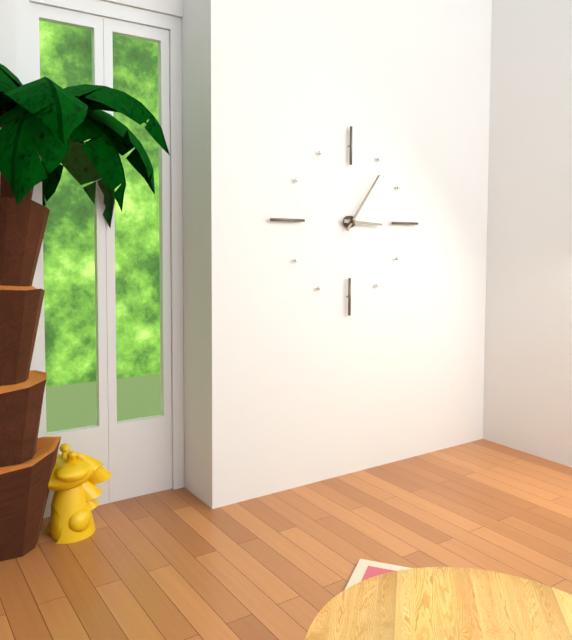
3:06
